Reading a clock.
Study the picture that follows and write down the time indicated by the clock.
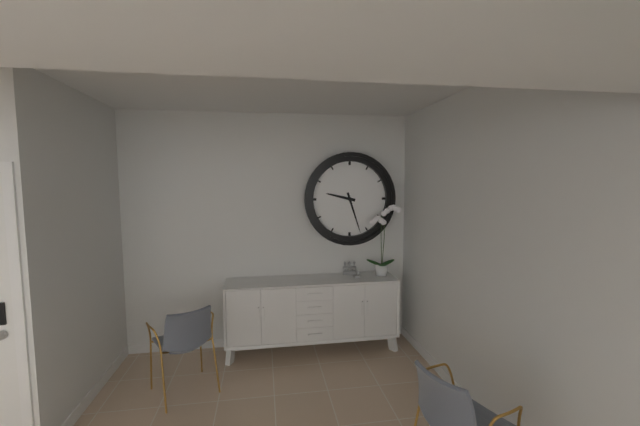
9:27
